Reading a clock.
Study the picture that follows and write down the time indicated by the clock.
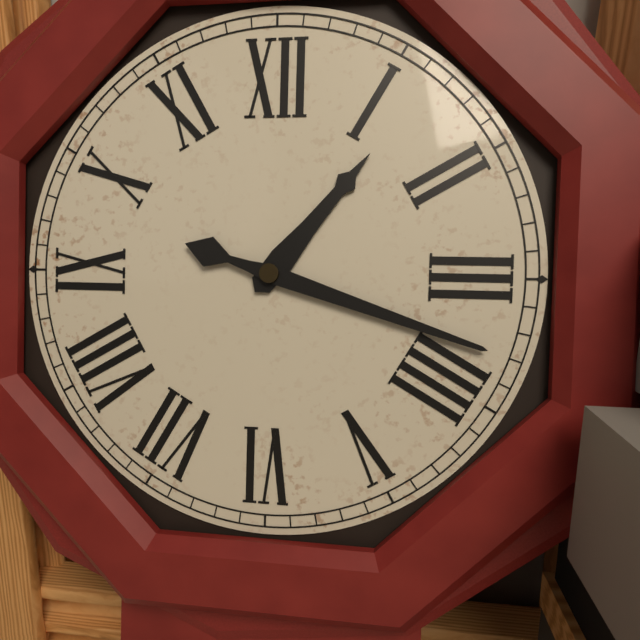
1:18
